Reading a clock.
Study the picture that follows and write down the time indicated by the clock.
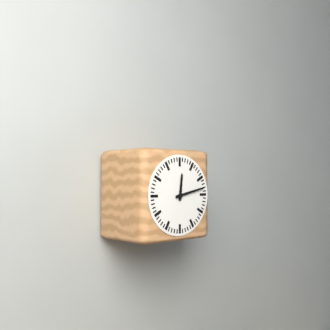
12:13
